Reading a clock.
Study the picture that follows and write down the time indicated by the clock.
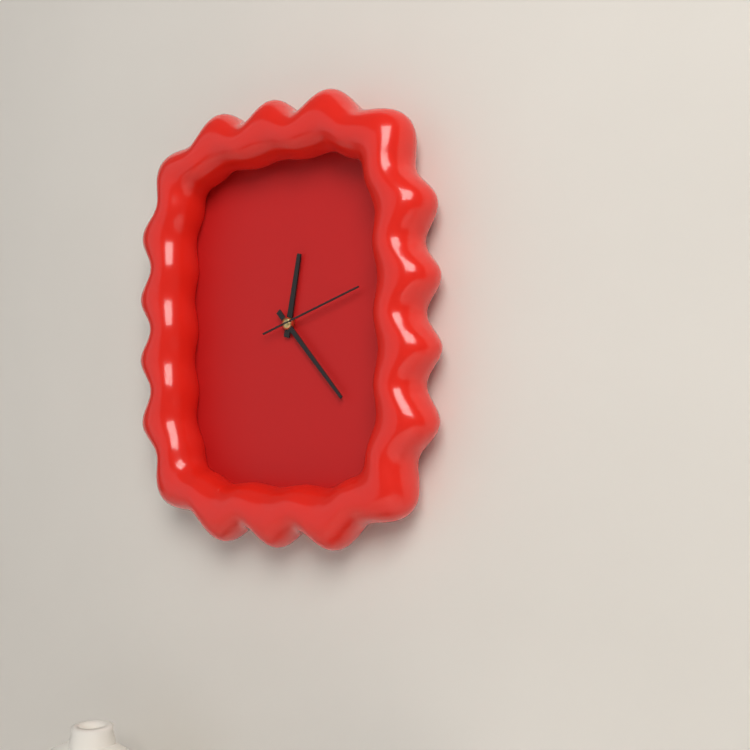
12:23:12
